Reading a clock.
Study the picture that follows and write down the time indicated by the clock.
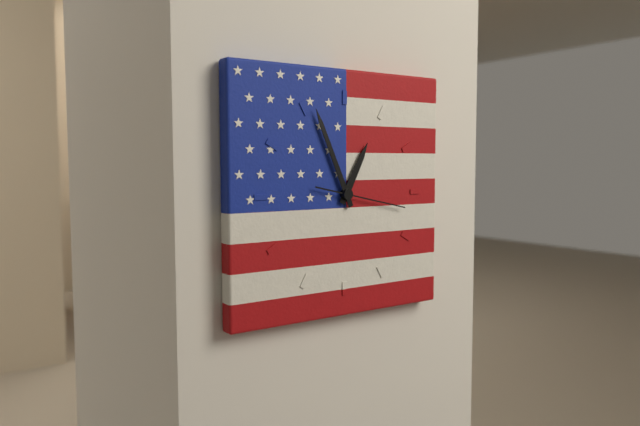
12:56:17
